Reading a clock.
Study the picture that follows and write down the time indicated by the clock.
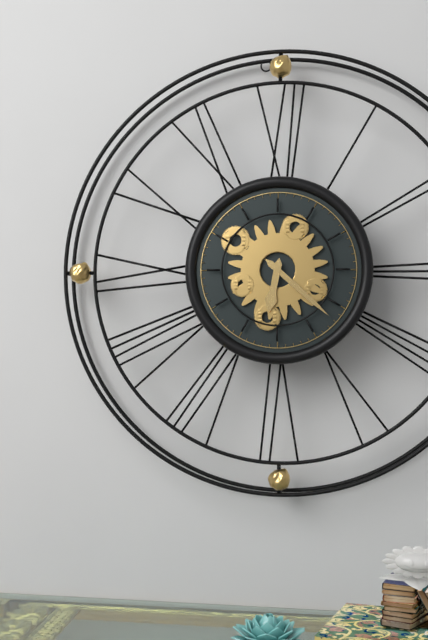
6:22
